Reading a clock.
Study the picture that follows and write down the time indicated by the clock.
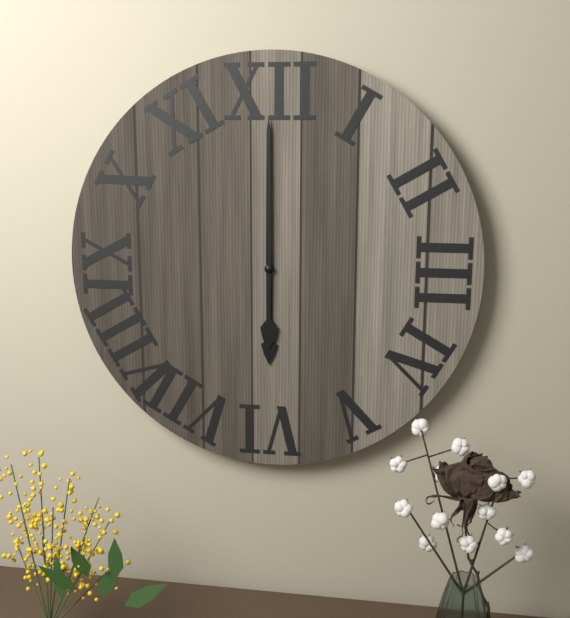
6:00
